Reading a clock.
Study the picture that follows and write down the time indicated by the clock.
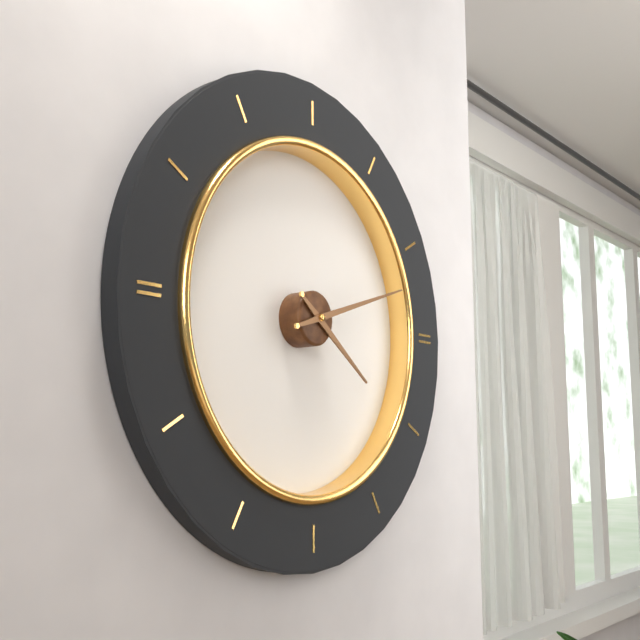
4:12
